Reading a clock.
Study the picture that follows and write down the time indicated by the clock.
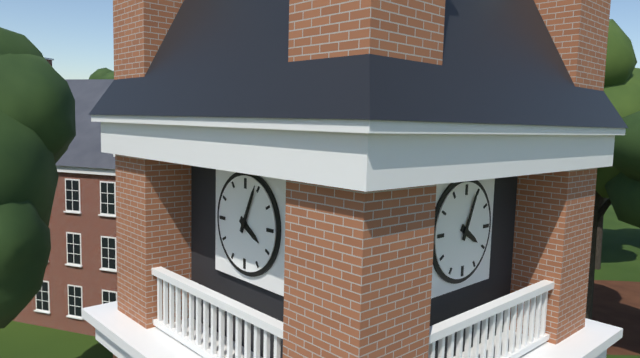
4:04
